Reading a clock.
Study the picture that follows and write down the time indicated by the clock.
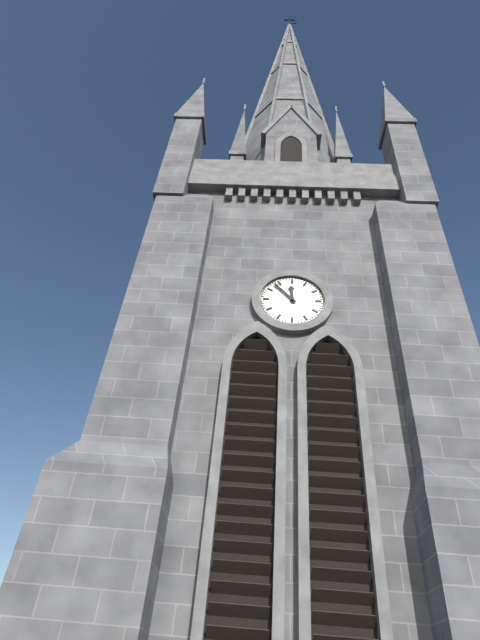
11:53
